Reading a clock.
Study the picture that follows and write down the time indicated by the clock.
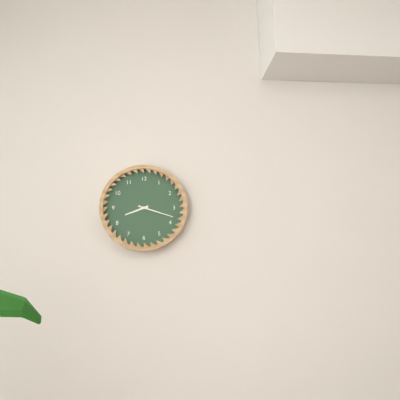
8:18
